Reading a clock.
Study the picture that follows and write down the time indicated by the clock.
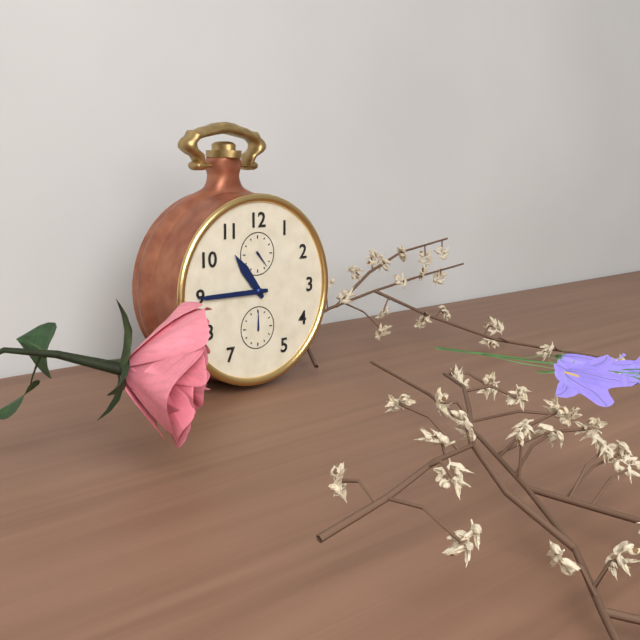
10:45
